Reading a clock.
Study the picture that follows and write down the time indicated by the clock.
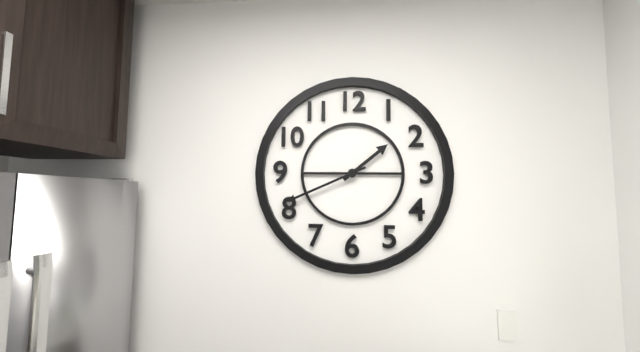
1:41
